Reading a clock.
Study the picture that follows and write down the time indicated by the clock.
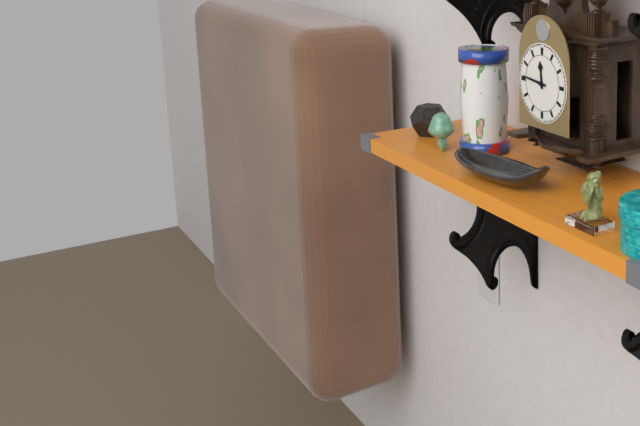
11:46
